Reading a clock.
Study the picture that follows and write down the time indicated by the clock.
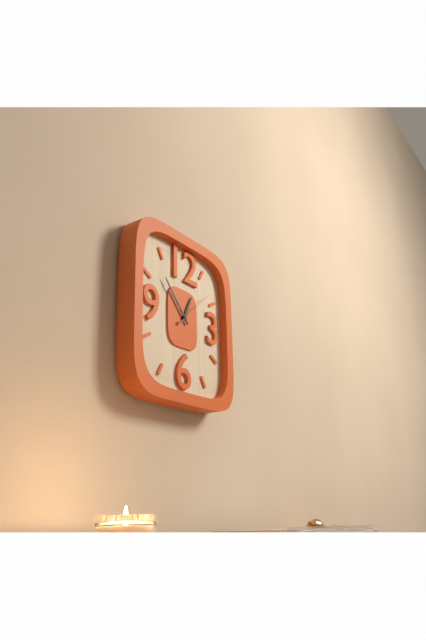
12:53:08
